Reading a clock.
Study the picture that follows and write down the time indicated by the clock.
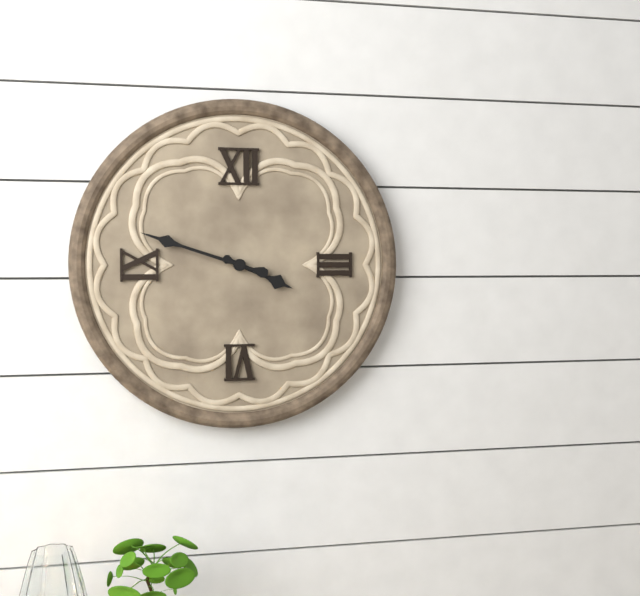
3:48
